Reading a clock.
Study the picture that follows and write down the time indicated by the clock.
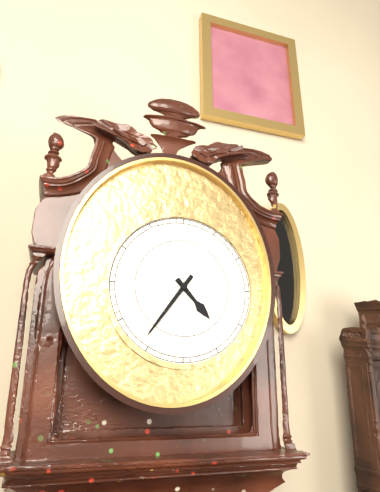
4:36
